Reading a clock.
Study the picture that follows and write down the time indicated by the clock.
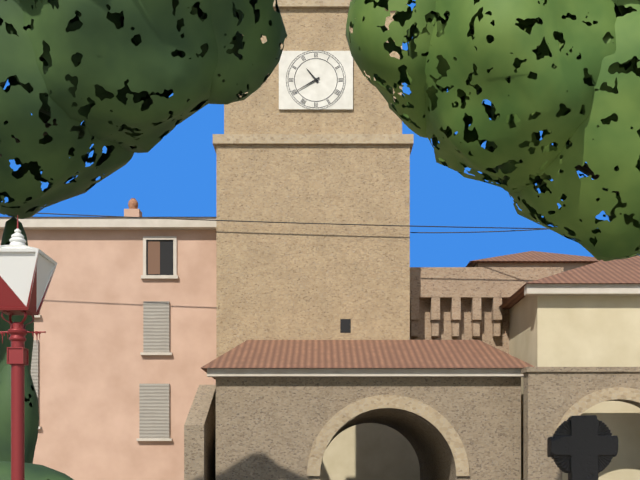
10:40
